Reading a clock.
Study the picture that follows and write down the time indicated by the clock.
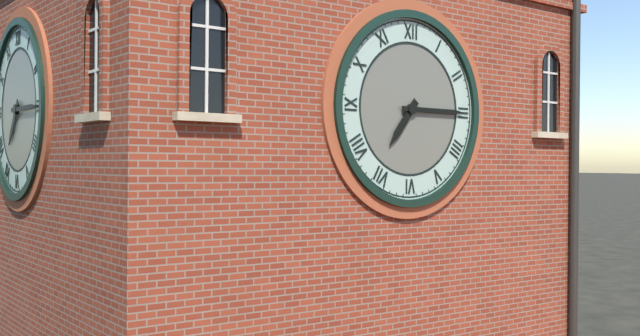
7:15
